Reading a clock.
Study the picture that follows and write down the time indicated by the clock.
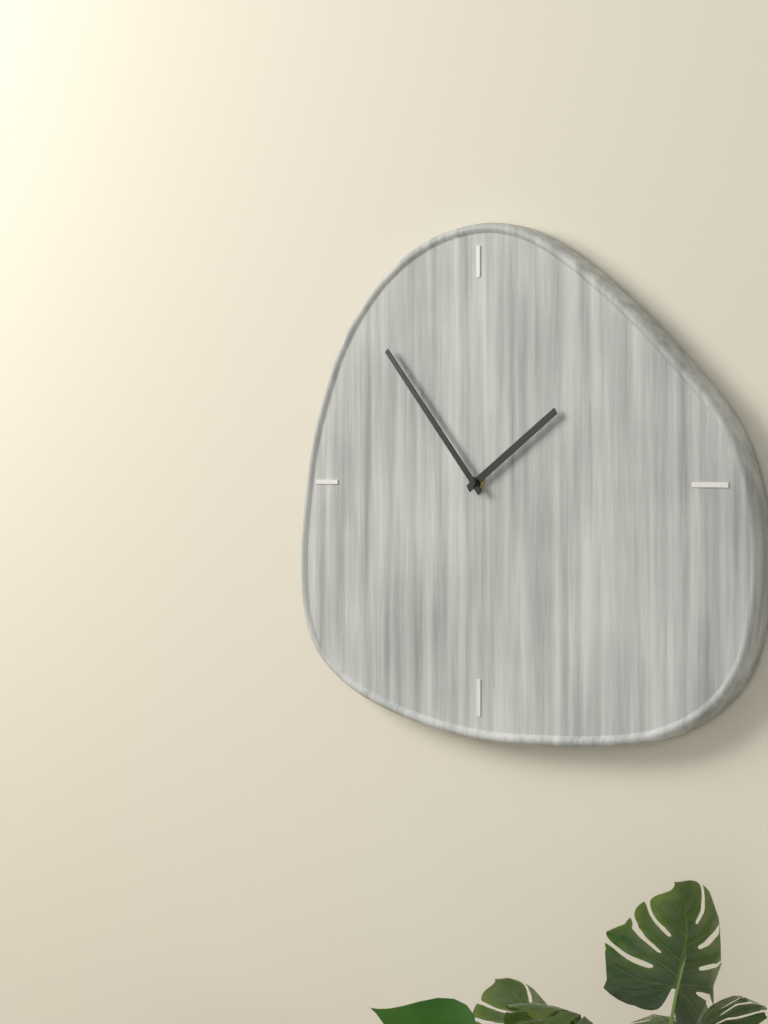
1:53
